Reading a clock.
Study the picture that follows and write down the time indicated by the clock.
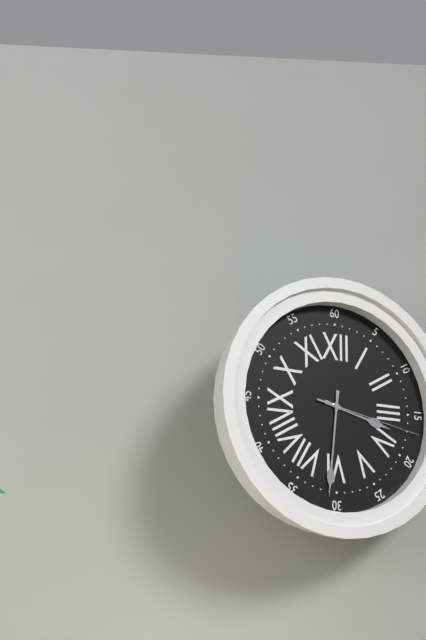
3:31:17
